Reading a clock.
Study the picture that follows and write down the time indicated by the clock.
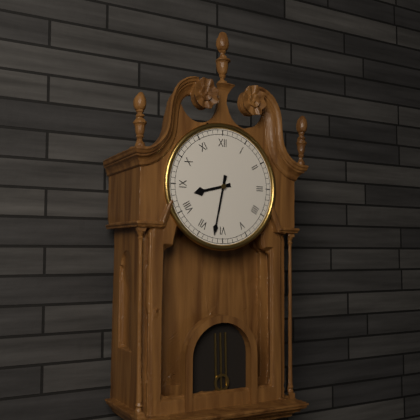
8:32
